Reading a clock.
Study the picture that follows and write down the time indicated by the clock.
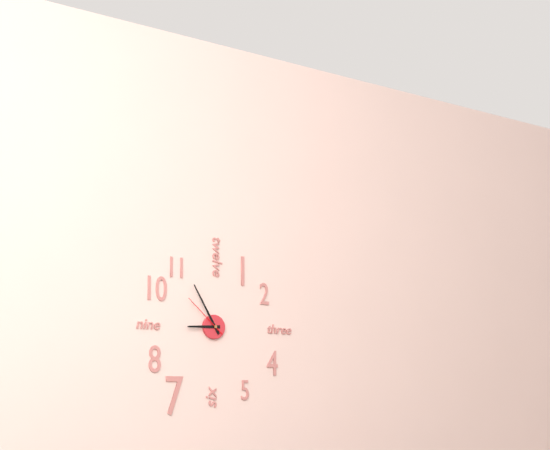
8:55
